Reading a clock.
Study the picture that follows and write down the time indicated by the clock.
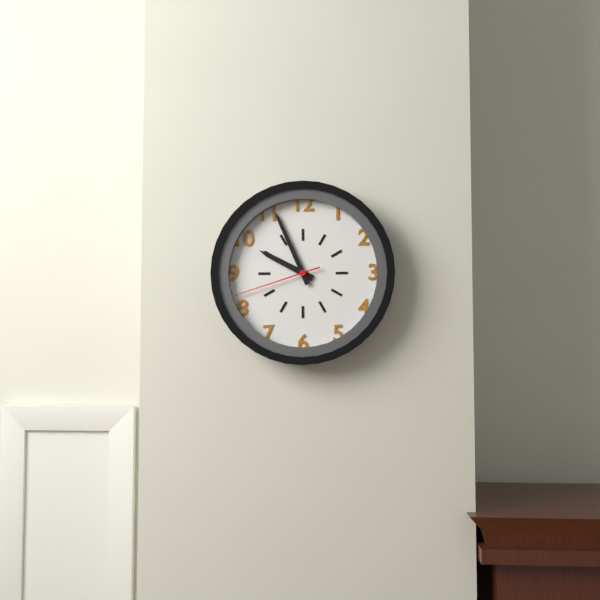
9:56:42
